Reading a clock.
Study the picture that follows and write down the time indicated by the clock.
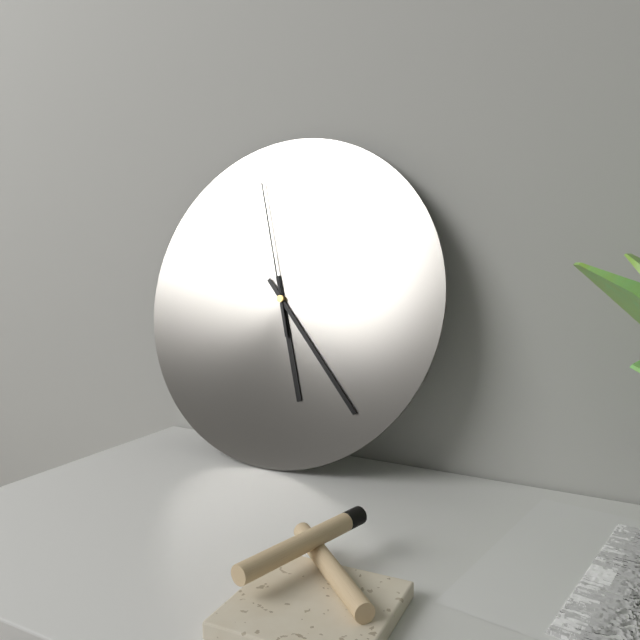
5:23:57
